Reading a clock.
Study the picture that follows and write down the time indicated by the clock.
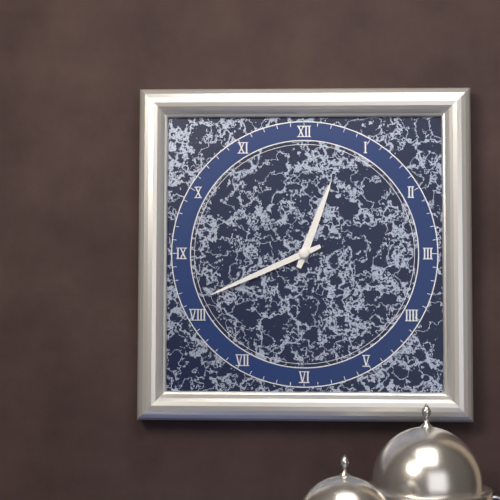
12:41
